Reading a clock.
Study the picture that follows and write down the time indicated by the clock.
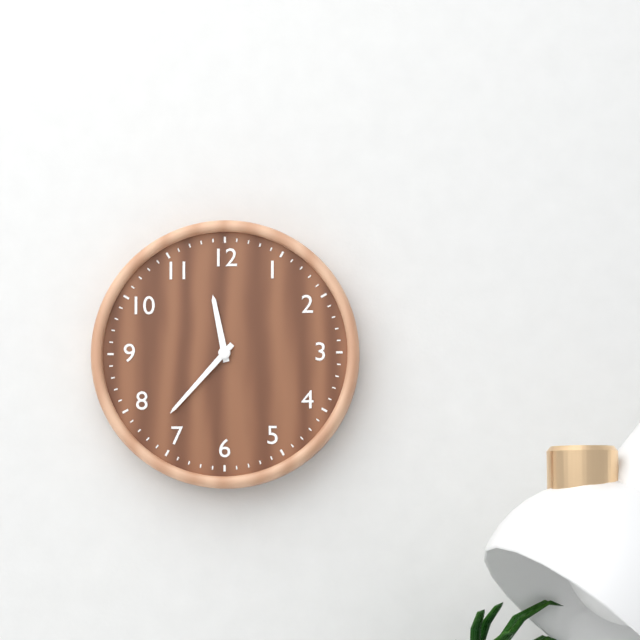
11:37
